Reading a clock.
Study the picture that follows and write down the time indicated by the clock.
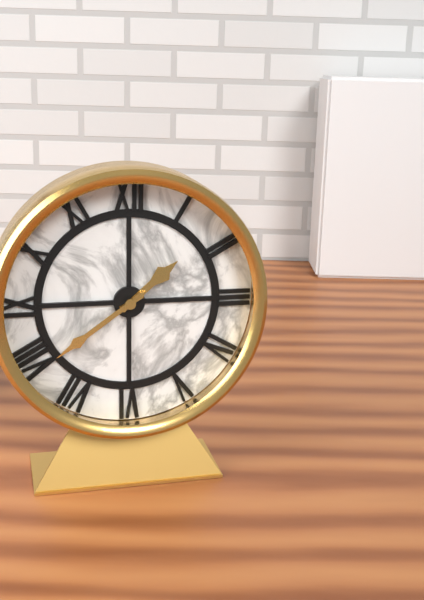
1:39
